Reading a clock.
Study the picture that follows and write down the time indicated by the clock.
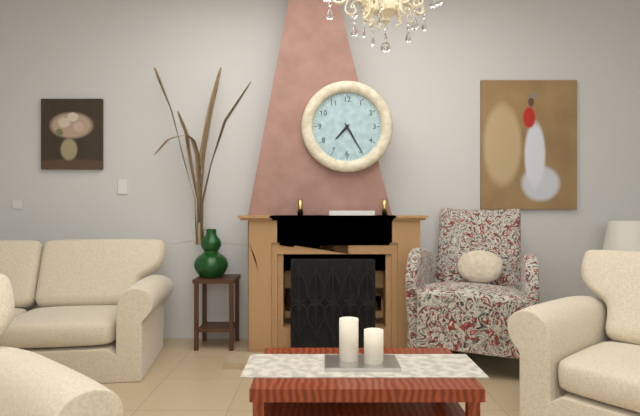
7:25
